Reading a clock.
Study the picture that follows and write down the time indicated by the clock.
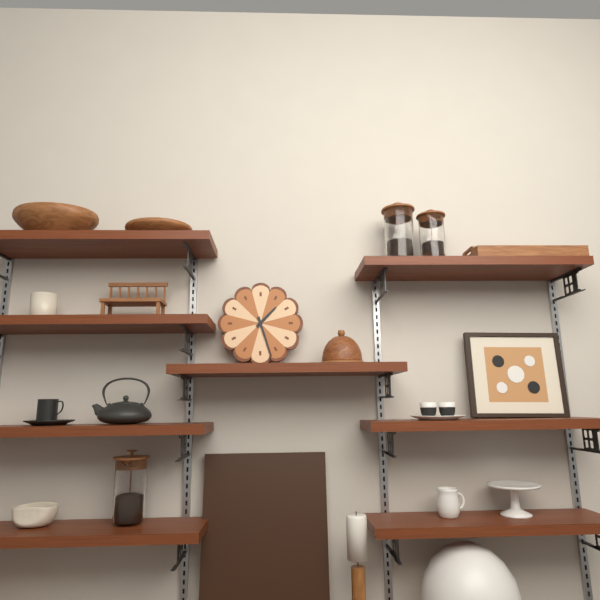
1:27
